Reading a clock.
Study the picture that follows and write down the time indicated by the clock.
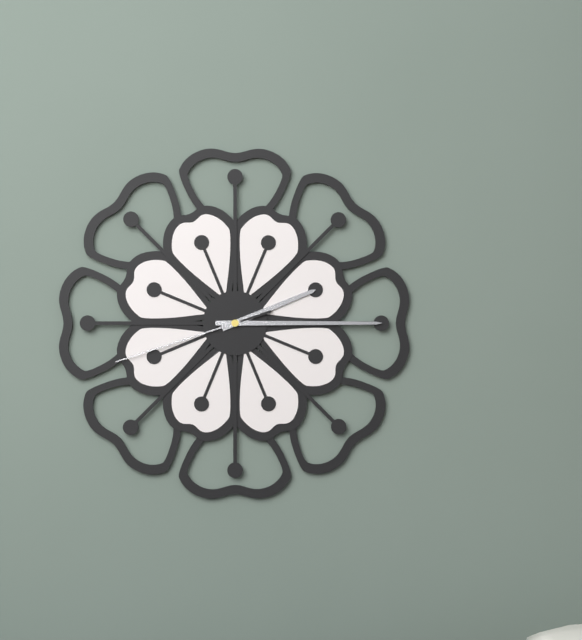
2:15:42
